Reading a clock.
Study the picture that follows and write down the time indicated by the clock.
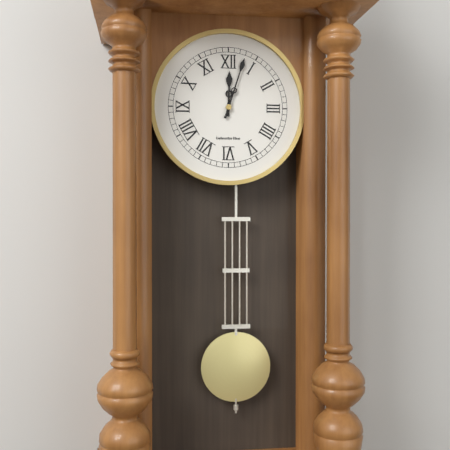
12:03
